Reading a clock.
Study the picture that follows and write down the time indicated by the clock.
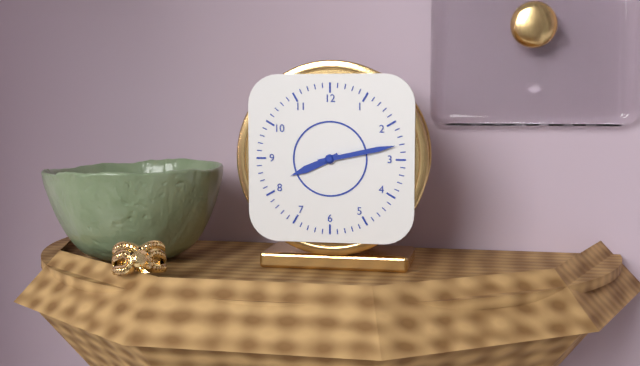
8:13
